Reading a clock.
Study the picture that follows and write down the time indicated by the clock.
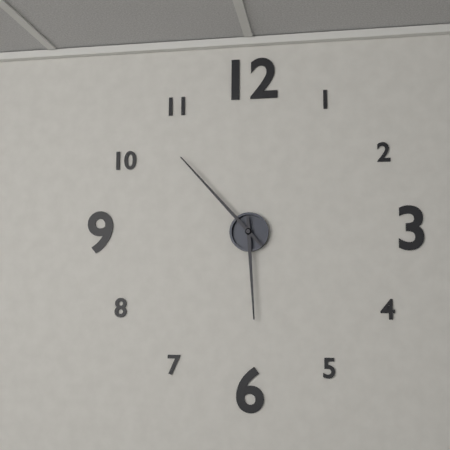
5:53
